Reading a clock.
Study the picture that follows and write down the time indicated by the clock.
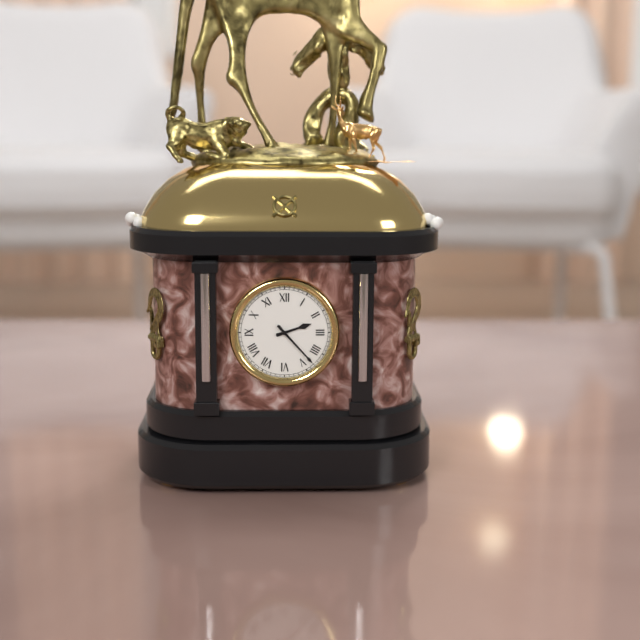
2:23
